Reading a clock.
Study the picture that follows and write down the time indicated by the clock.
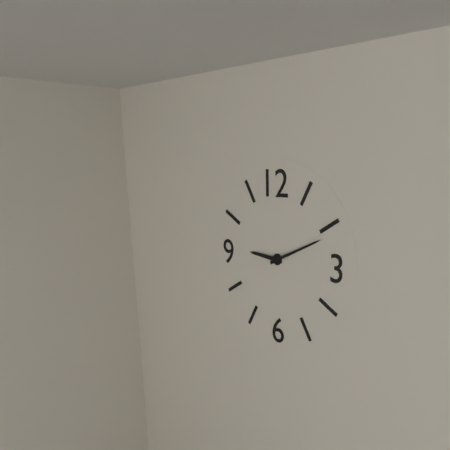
9:11
